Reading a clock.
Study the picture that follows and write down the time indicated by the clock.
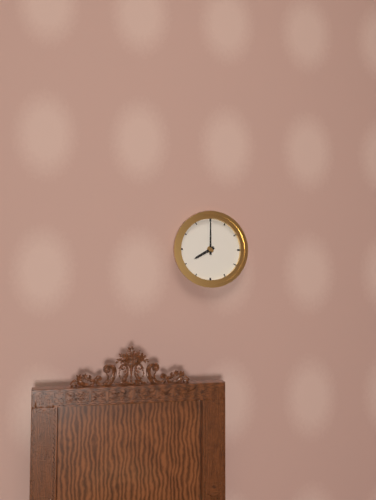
8:00
